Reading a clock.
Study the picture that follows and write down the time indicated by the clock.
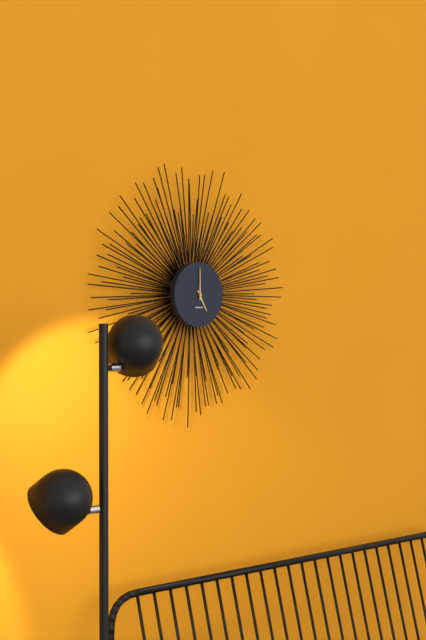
5:00
